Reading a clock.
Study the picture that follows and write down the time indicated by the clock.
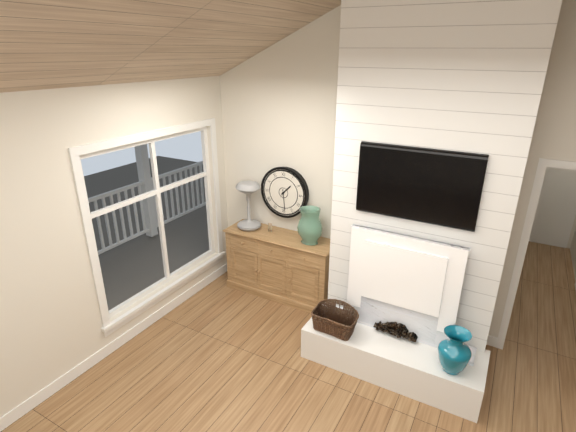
1:29
